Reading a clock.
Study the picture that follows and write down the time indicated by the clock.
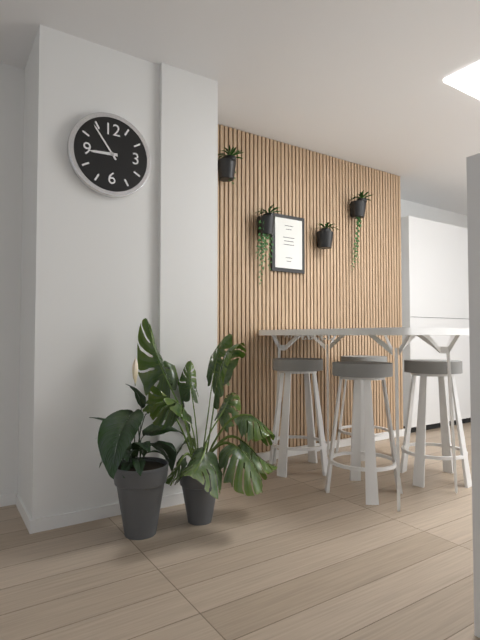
8:54
